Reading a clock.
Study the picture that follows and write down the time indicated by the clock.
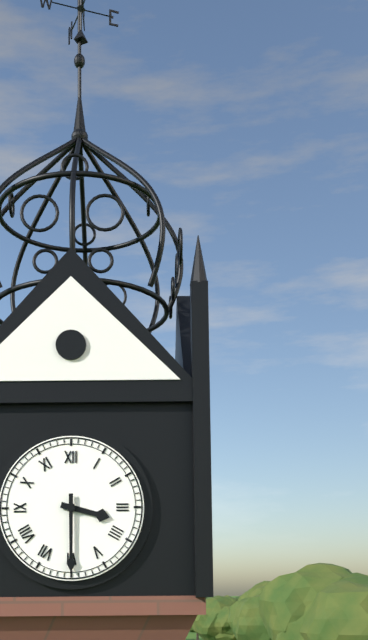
3:30
